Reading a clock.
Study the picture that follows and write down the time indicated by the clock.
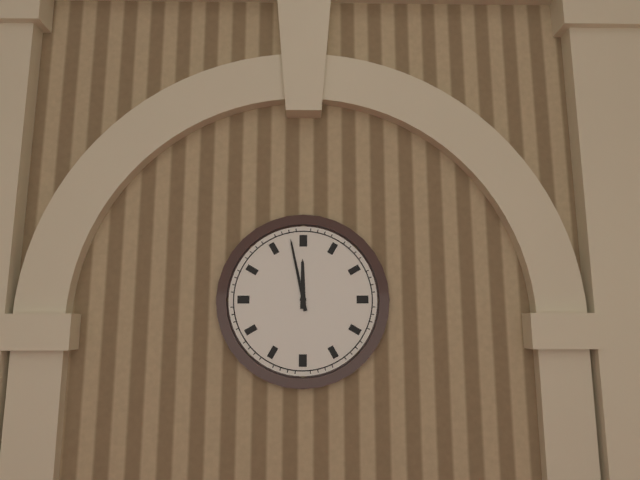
11:58
